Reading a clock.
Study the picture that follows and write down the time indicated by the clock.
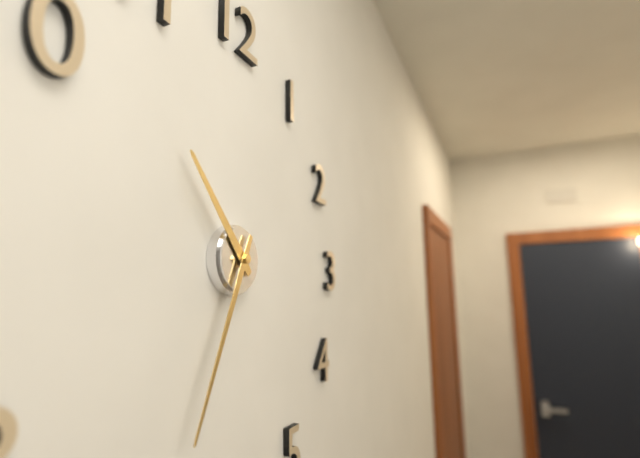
10:34
